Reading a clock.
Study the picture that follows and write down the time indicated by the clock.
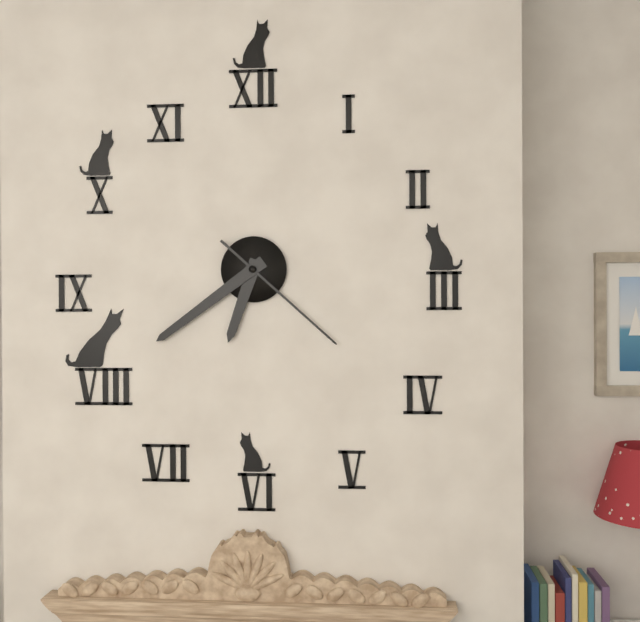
6:39:22
